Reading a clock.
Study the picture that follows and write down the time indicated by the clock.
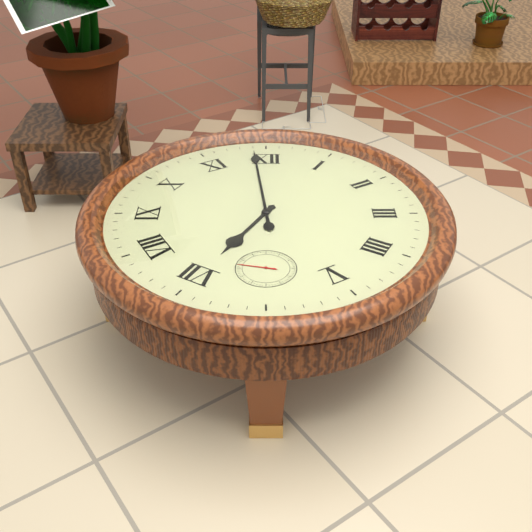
6:59
